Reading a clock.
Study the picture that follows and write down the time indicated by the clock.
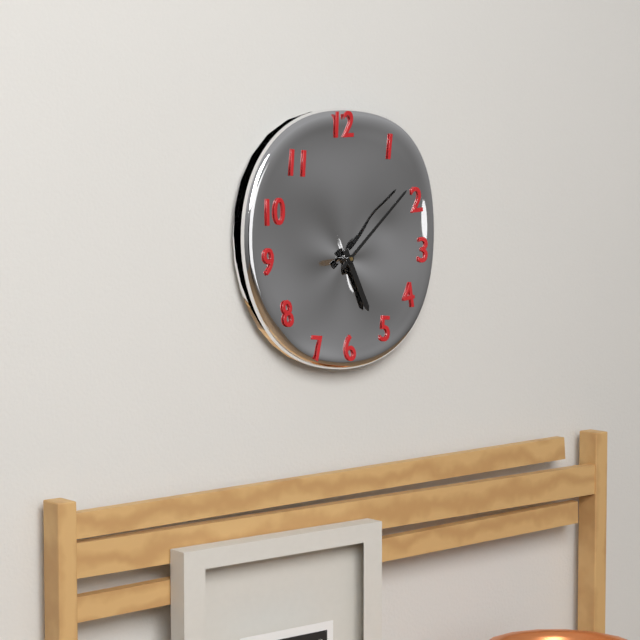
5:08
